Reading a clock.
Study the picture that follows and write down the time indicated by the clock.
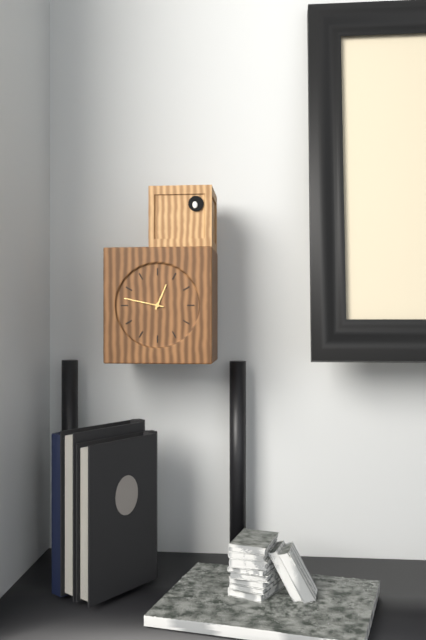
12:47
